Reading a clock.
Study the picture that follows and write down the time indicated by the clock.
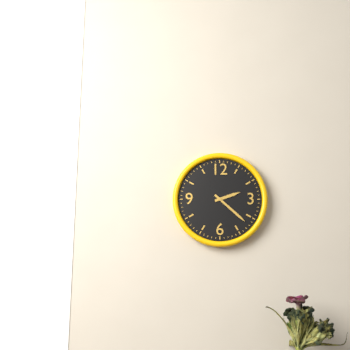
2:22
